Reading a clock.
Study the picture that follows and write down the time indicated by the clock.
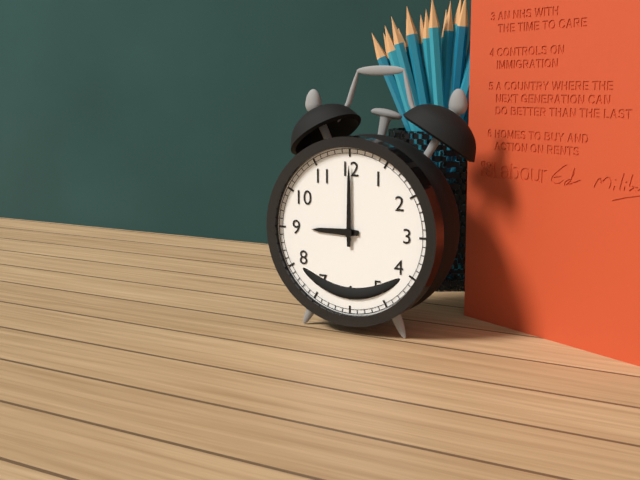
9:00
